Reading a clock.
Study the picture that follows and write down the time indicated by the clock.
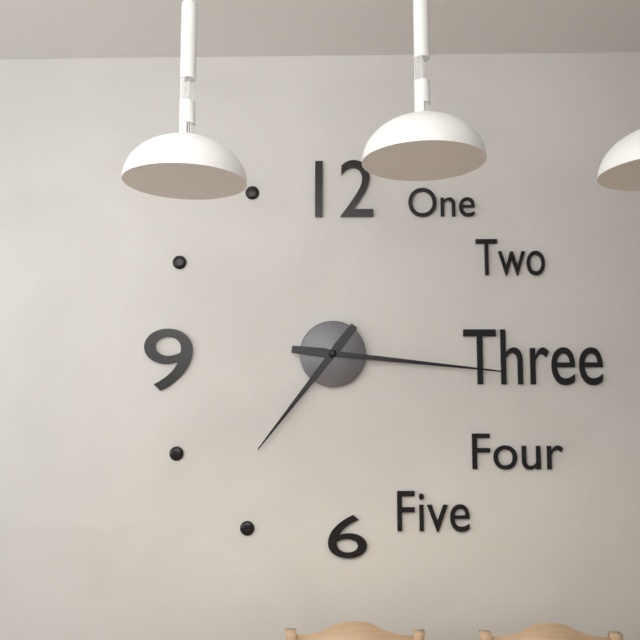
7:16
